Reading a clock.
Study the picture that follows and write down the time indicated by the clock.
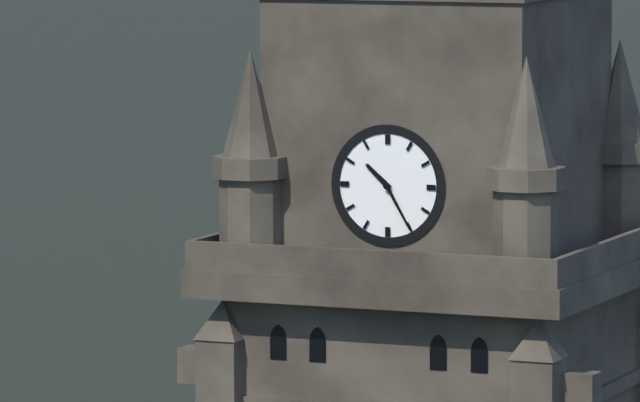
10:25
